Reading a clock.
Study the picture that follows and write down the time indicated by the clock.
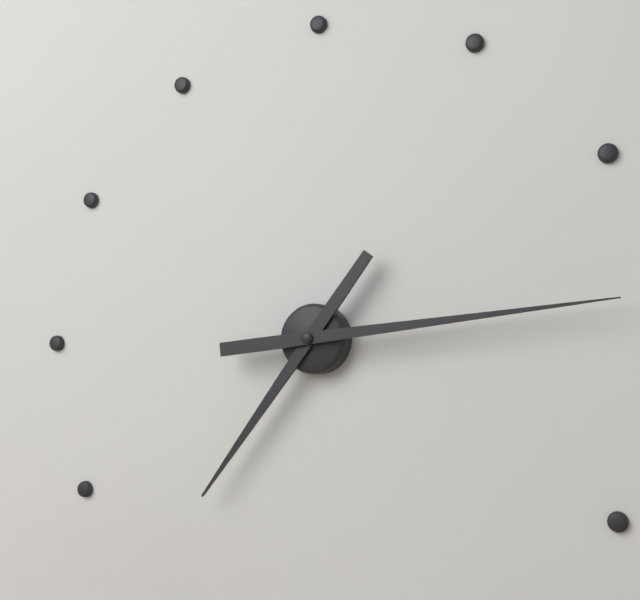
7:14
